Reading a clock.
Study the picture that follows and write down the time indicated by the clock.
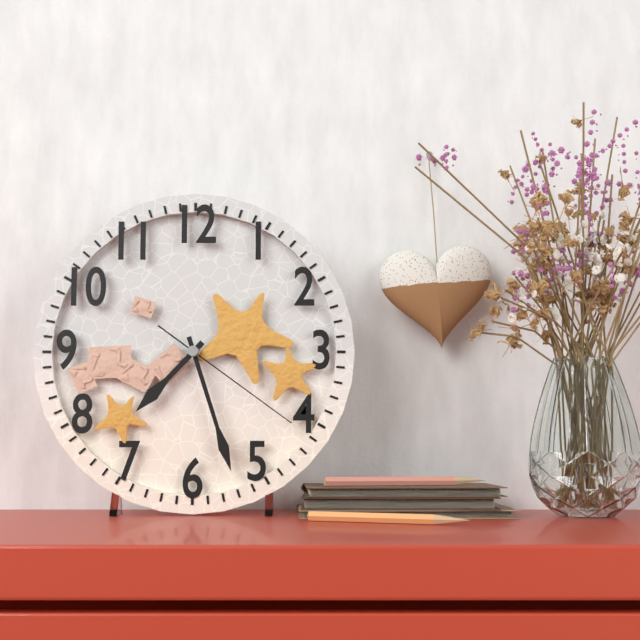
7:27:21
